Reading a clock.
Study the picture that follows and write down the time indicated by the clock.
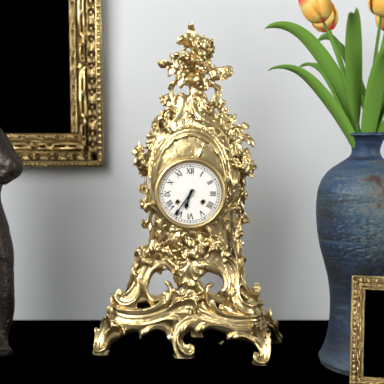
6:36
